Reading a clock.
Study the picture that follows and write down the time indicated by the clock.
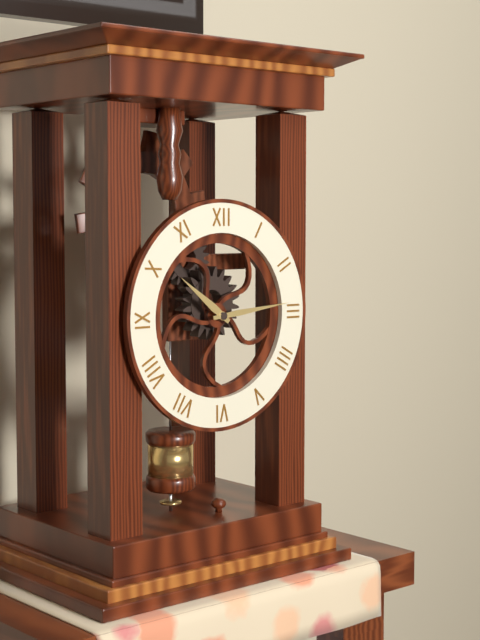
10:14
